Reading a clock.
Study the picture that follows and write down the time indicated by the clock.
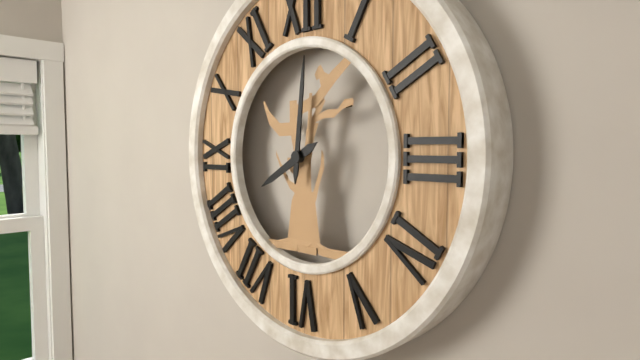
8:01
